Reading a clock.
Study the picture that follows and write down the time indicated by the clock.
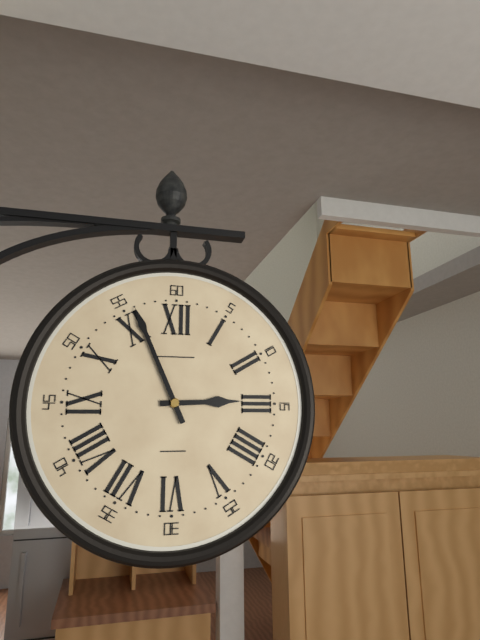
2:56
